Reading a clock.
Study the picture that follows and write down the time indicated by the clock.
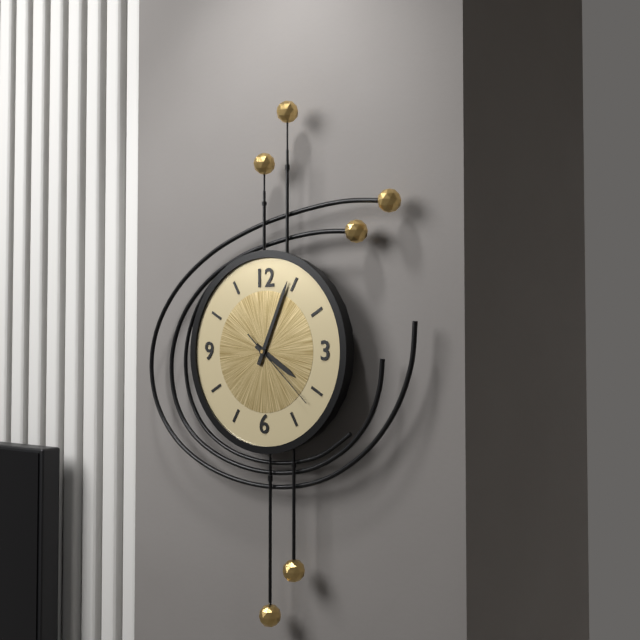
4:04:22
